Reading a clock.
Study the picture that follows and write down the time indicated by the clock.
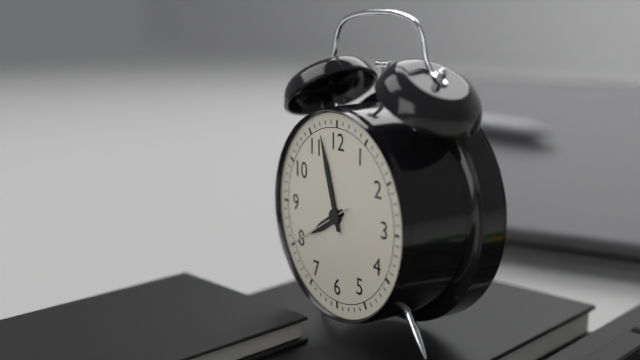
7:57:40
